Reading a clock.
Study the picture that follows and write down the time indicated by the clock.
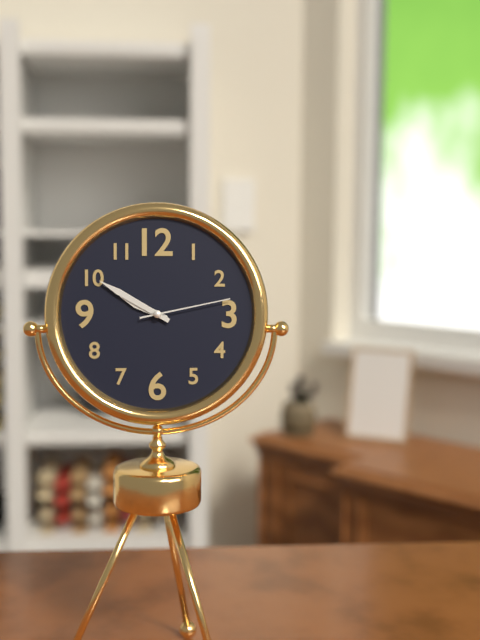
9:50:13
